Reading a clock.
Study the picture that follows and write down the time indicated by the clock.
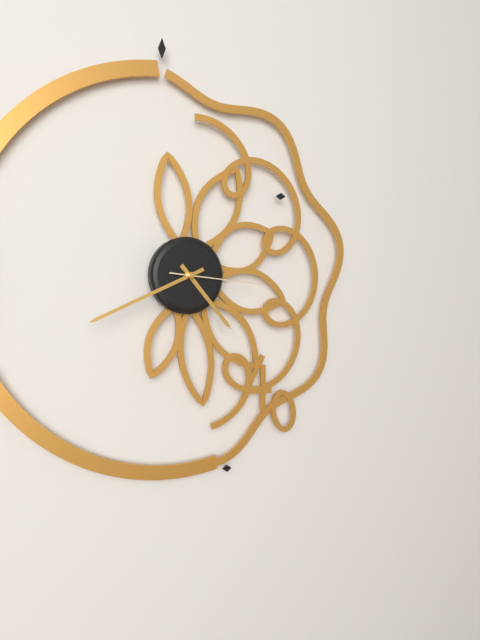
4:41:16
